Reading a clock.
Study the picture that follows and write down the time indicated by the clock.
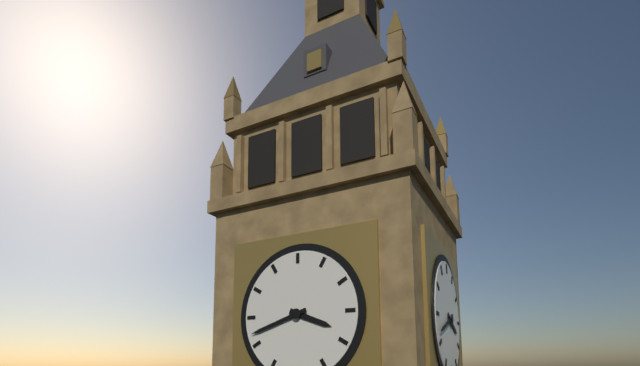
3:42
